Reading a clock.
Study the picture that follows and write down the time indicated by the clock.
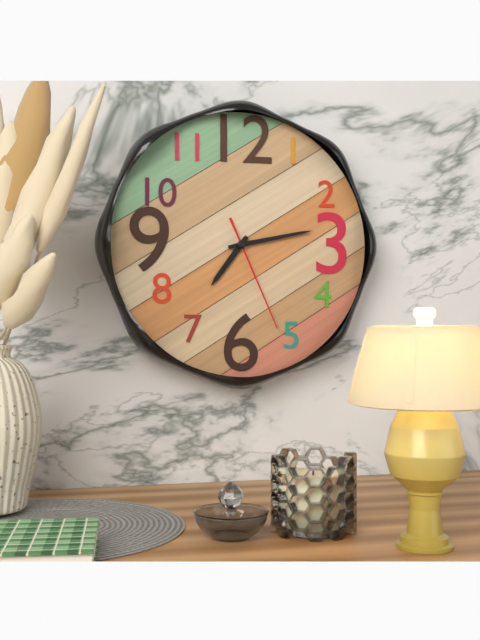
7:13:26
